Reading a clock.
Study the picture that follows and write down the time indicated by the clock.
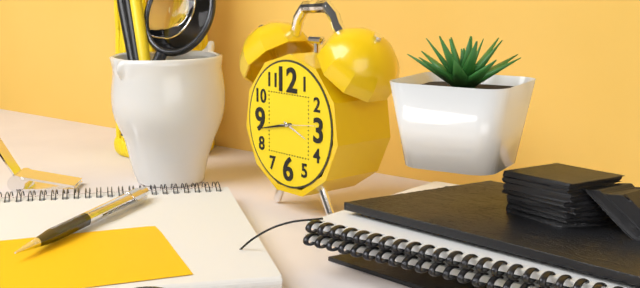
3:43
